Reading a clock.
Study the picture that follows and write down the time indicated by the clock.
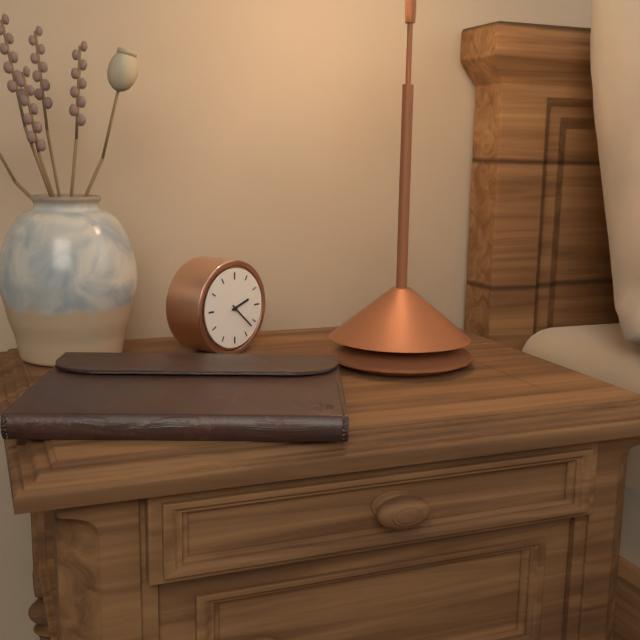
2:22
